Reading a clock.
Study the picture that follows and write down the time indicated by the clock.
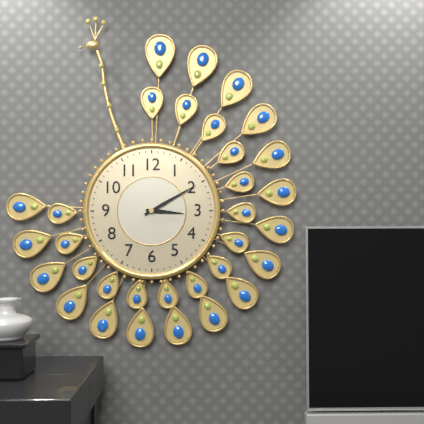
3:10
